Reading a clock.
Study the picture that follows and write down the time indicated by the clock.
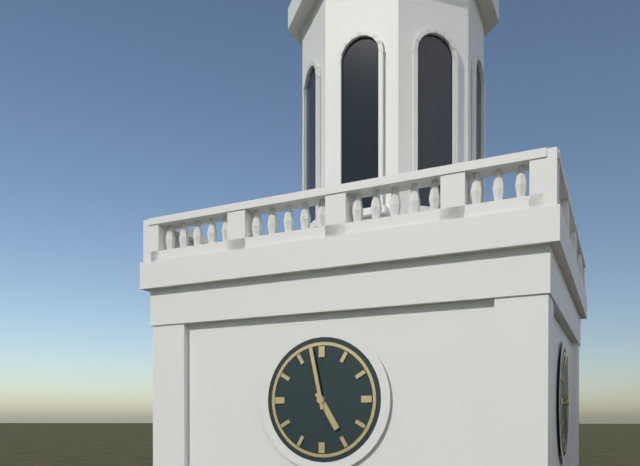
4:58
